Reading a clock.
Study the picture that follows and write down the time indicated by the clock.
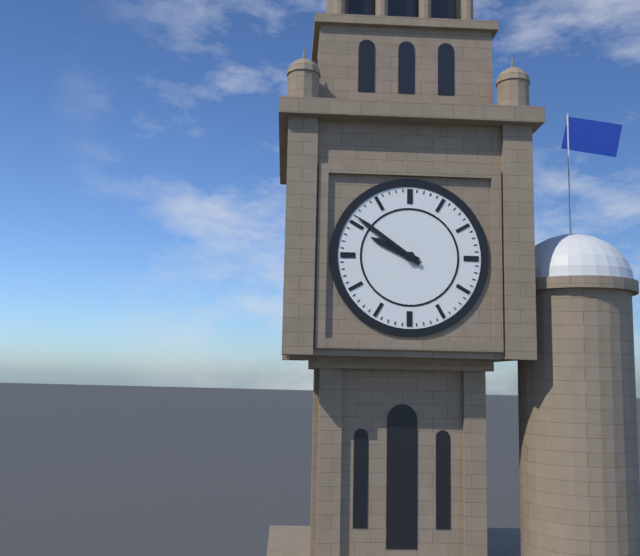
9:51
